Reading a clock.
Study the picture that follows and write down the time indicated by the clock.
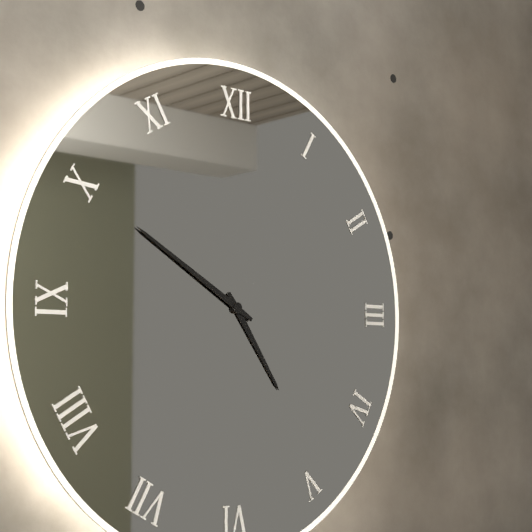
4:50
